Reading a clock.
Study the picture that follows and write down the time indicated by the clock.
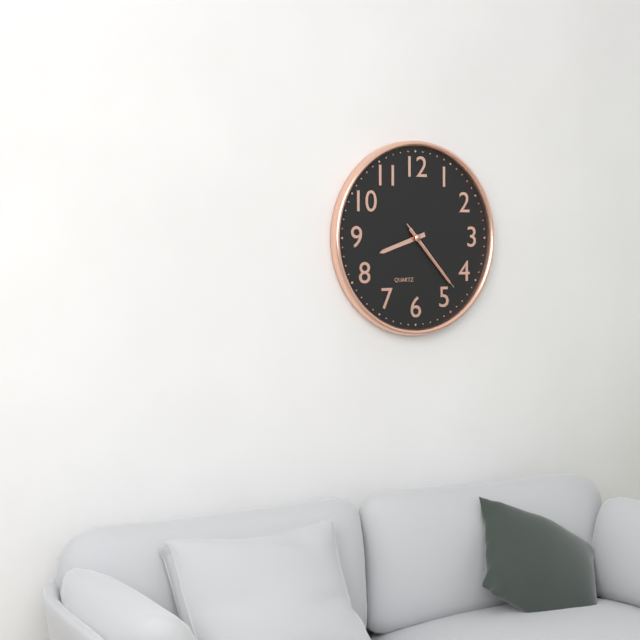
8:23:23
